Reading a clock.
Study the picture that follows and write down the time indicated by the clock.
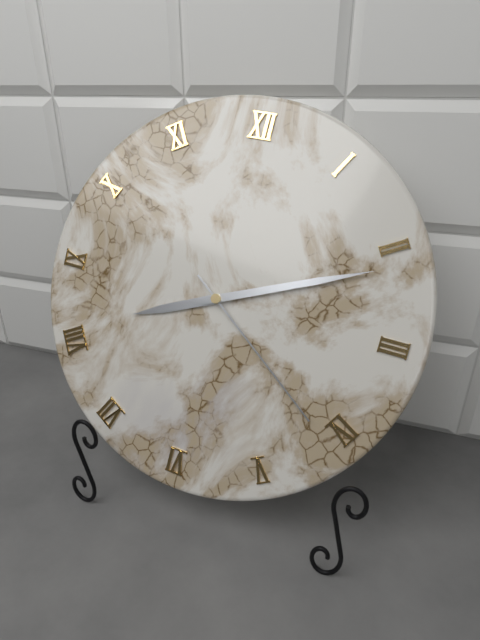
8:11:21
